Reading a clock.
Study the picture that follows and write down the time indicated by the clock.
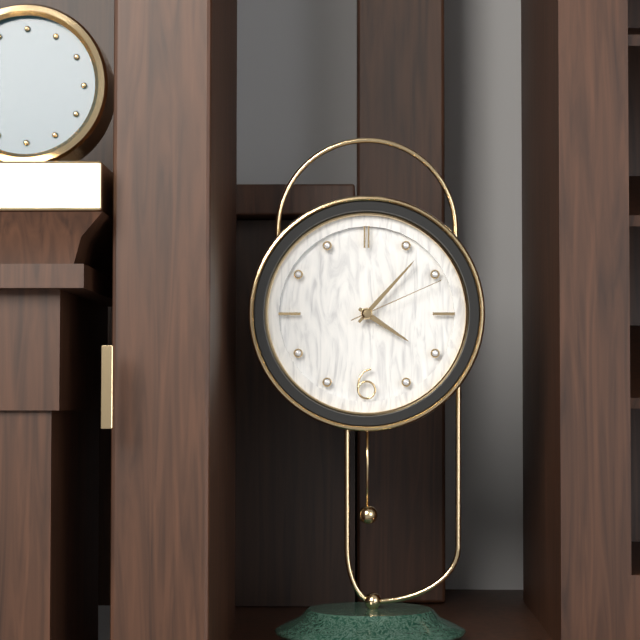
4:07:11
